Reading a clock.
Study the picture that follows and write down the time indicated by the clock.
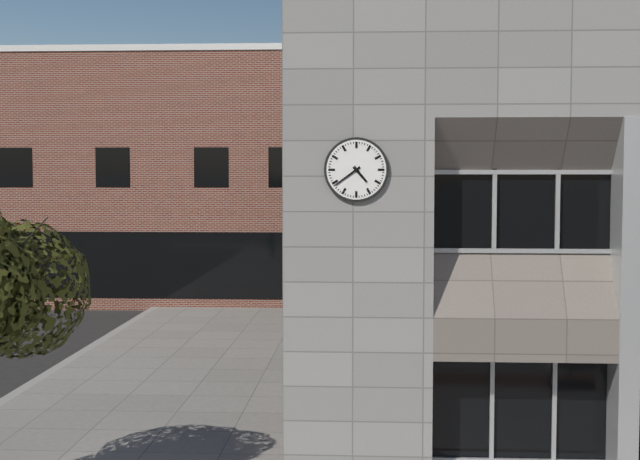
4:39
